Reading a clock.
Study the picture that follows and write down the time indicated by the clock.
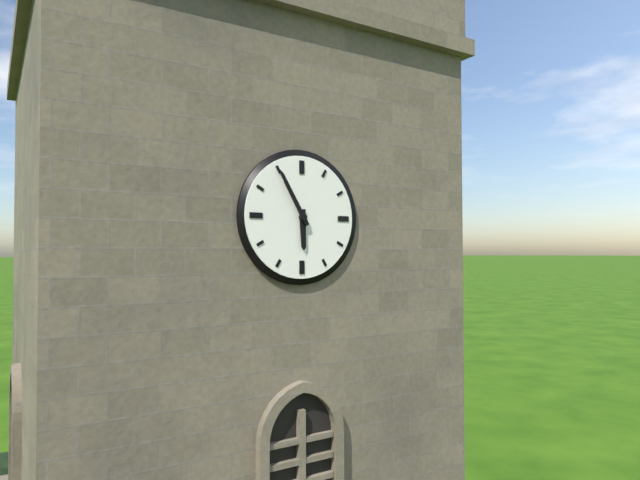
5:55
